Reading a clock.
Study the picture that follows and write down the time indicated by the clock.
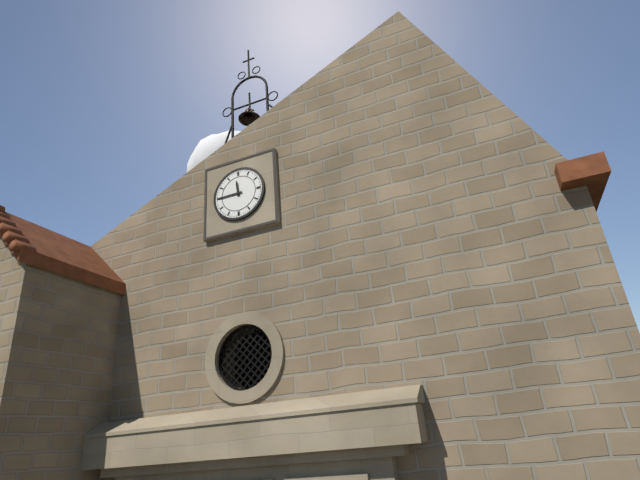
11:45
